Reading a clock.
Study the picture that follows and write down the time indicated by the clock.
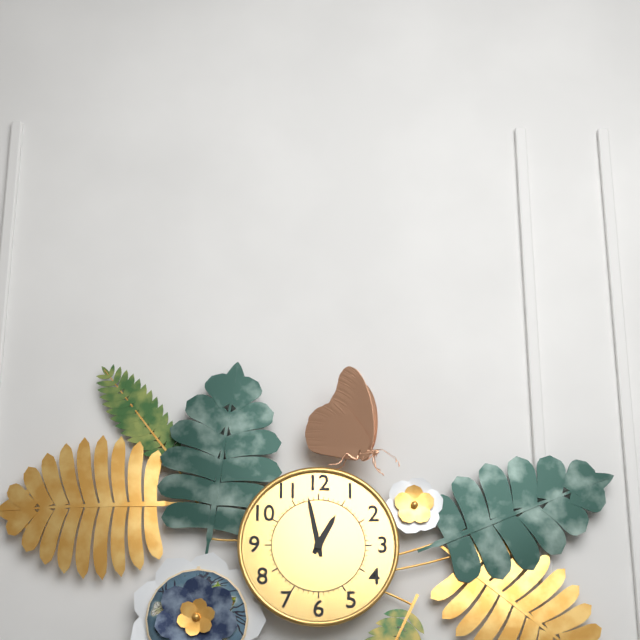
12:58
